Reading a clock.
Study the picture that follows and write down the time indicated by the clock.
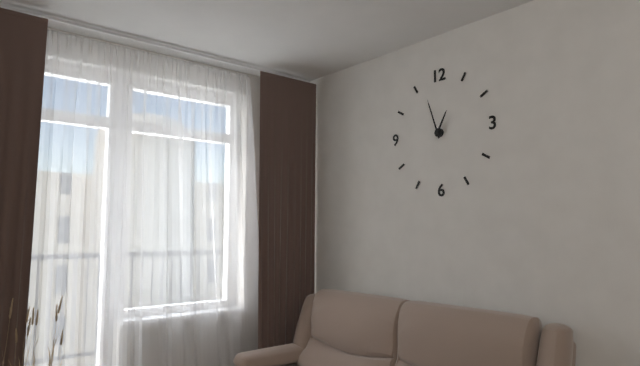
12:57
